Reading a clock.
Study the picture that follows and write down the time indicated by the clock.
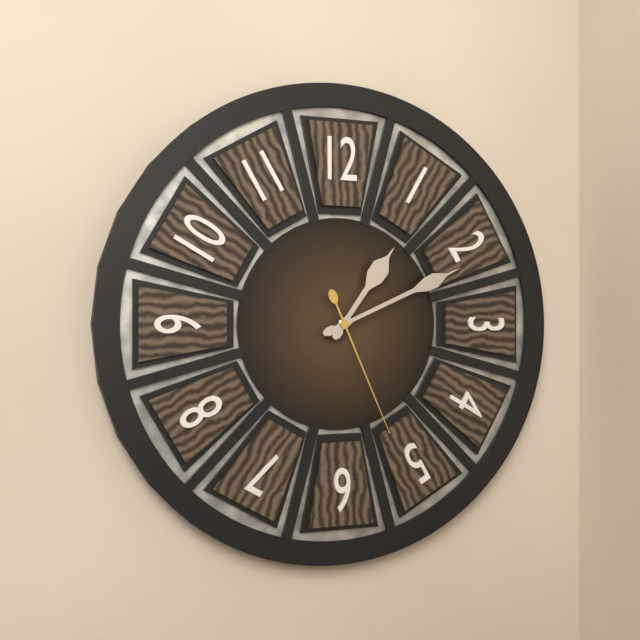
1:11:26
